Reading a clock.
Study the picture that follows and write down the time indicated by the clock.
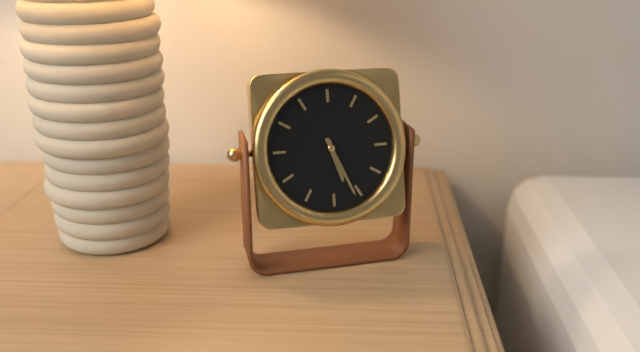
5:26
